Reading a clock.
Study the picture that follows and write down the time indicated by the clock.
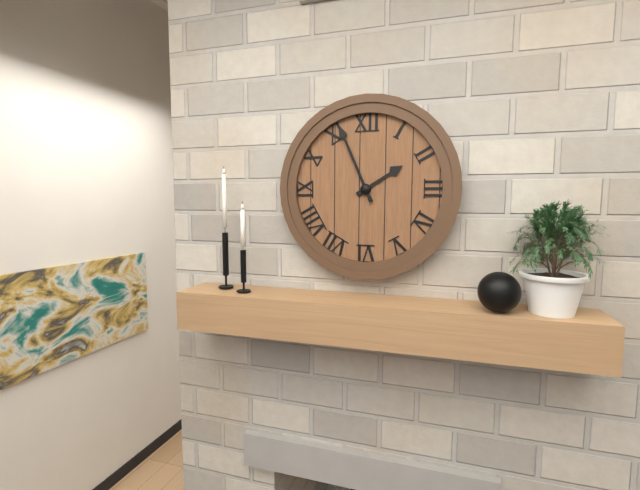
1:56
